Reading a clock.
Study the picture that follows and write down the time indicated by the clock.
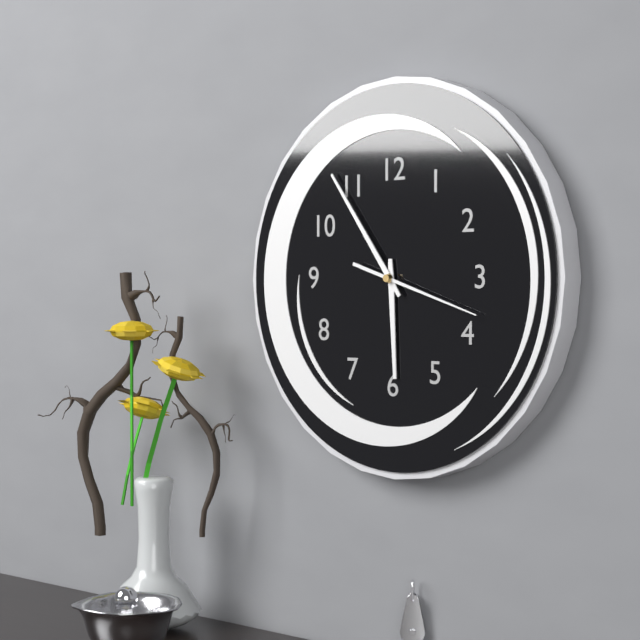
5:54:18
